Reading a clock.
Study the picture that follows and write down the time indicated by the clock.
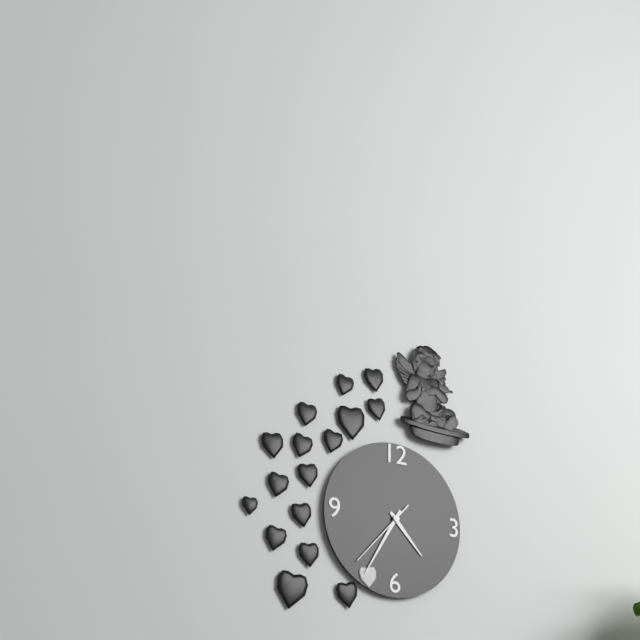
4:35:37
